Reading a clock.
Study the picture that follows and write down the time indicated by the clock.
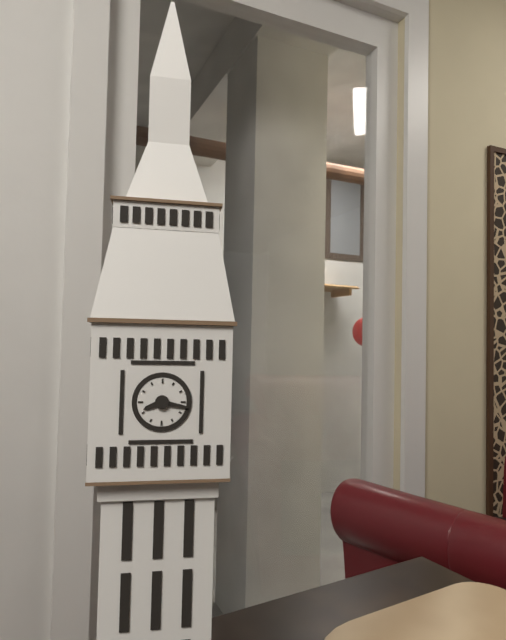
8:17
